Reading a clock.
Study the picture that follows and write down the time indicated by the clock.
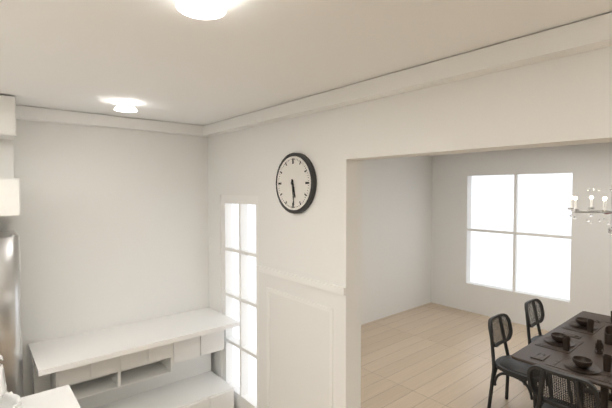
5:29
